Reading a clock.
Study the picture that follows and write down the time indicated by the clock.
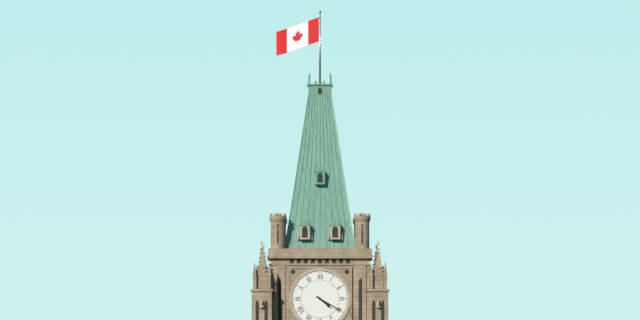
4:20
